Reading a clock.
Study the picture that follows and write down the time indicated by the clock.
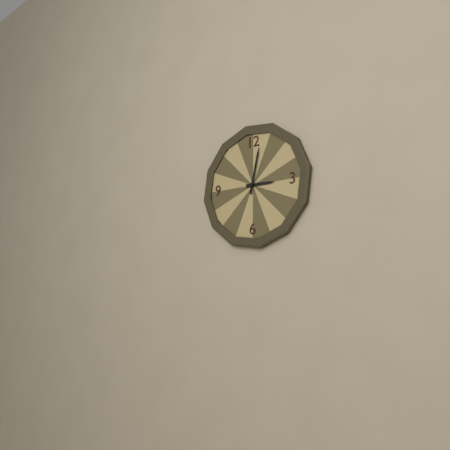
3:02
